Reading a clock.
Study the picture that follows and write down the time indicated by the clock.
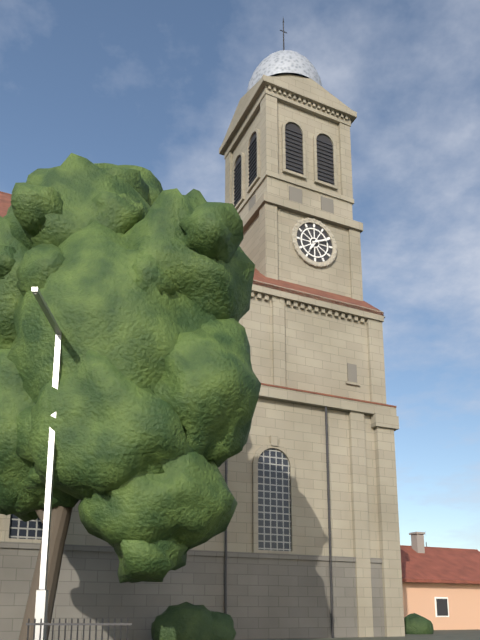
7:11
